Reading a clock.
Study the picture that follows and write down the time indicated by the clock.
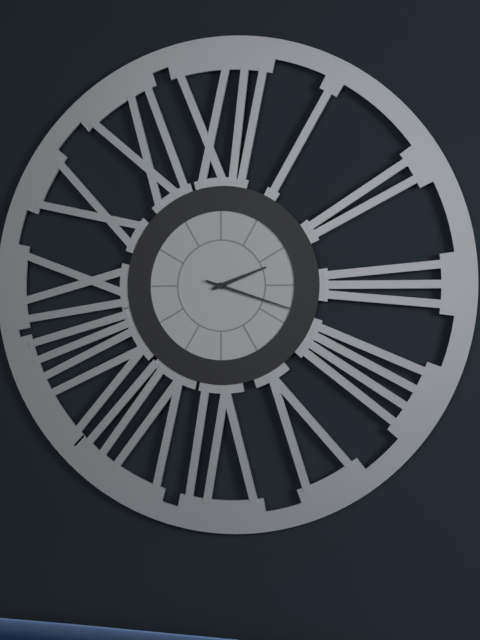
2:18
